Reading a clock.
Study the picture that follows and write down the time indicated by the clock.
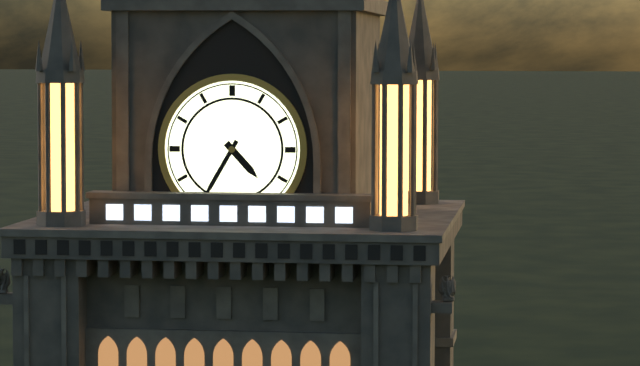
4:35
